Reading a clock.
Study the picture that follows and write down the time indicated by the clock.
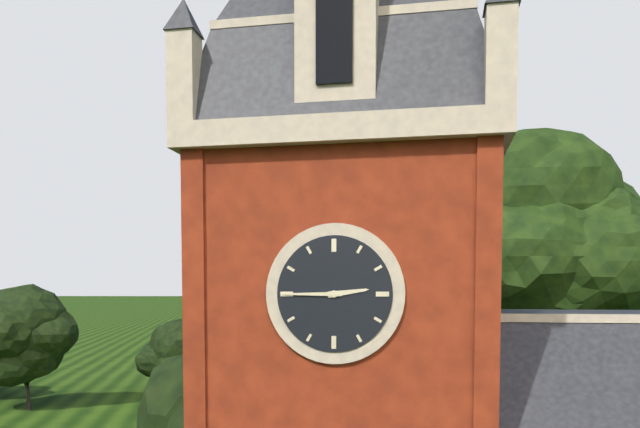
2:45
